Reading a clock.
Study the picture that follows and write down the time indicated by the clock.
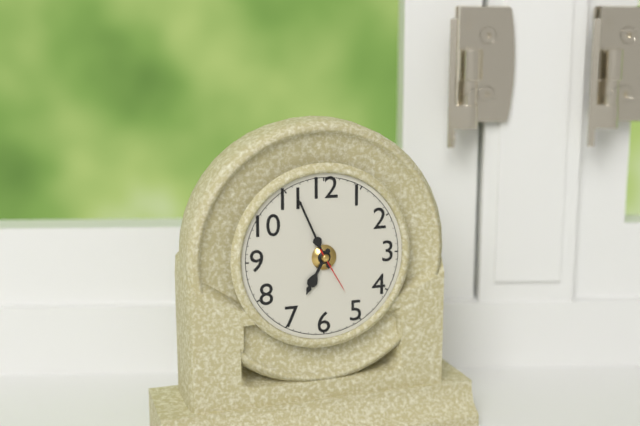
6:56
